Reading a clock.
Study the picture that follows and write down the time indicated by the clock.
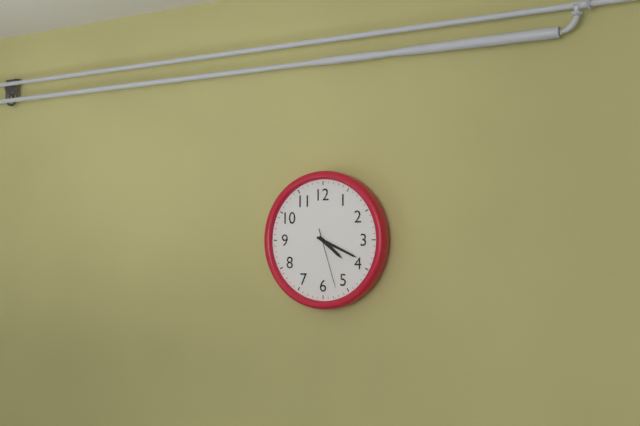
4:19:27
